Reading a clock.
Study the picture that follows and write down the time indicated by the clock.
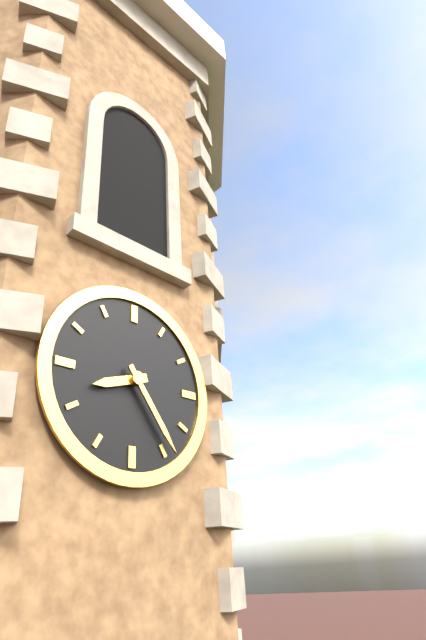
8:24
